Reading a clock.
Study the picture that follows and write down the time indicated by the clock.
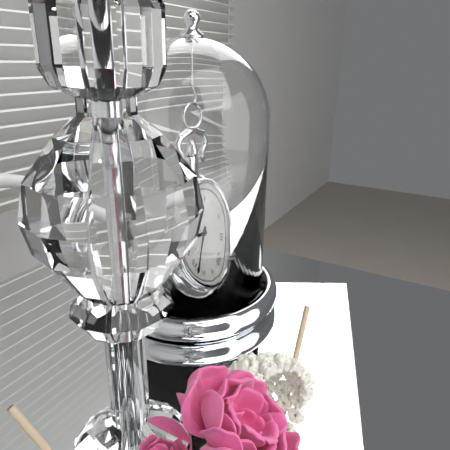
8:33
